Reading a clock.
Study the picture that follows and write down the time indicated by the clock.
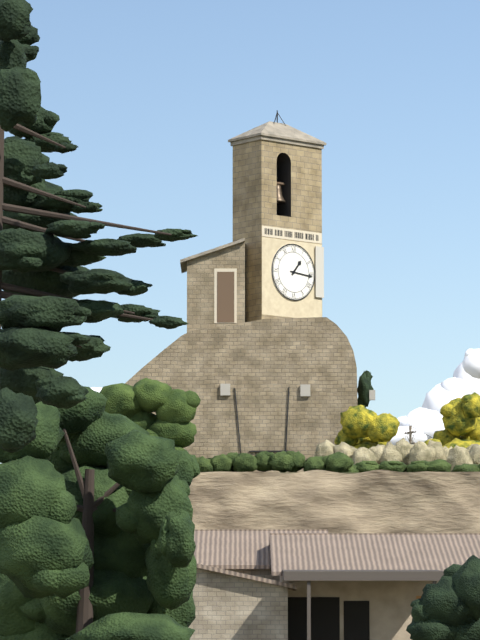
1:16
